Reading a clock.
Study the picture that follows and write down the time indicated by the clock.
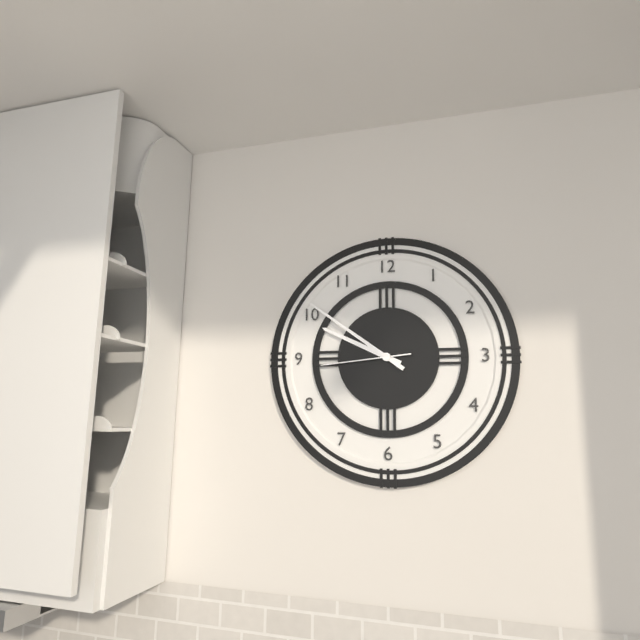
9:51:44
